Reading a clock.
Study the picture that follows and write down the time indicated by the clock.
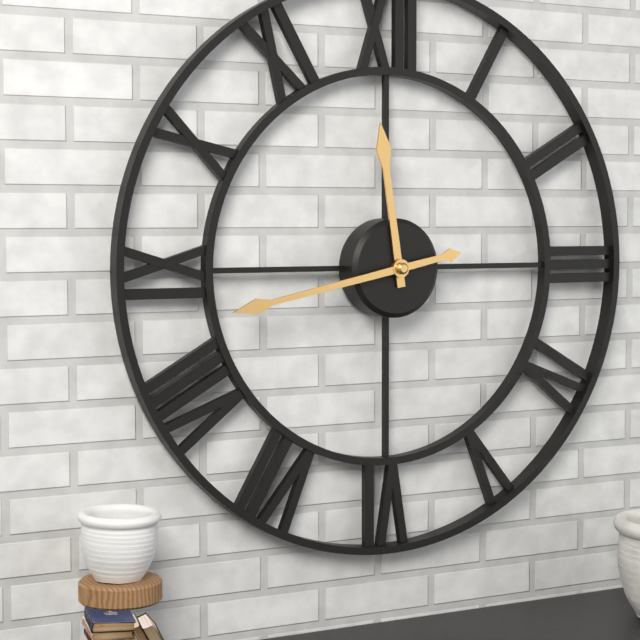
11:43
